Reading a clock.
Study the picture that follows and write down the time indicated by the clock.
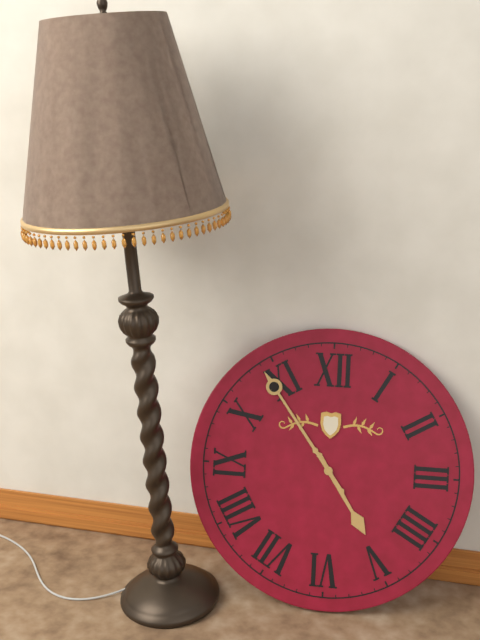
4:54
